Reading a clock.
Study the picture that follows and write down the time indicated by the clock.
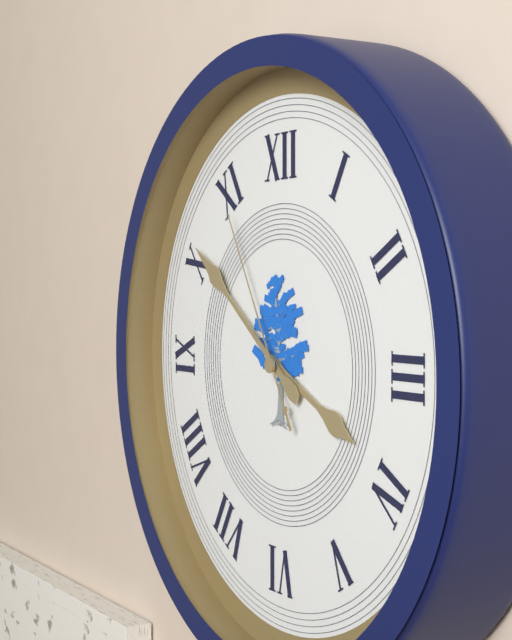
3:51:55
